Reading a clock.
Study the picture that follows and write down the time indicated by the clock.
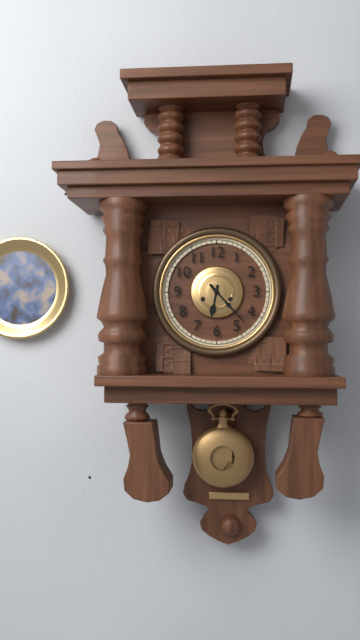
6:23
